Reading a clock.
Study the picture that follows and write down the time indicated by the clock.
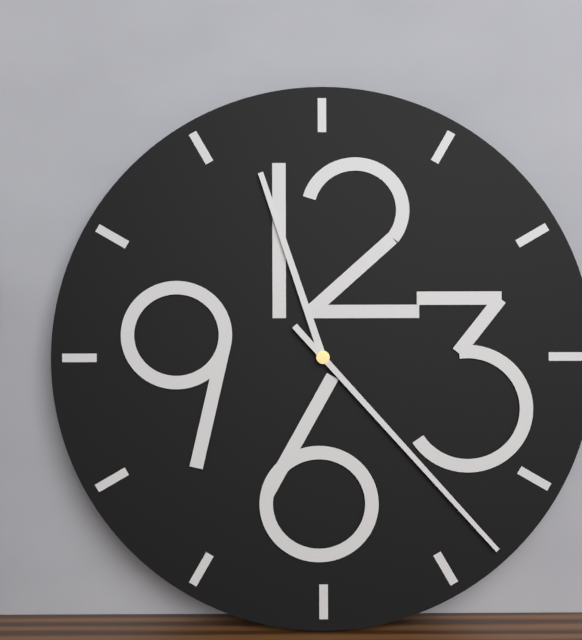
11:23
